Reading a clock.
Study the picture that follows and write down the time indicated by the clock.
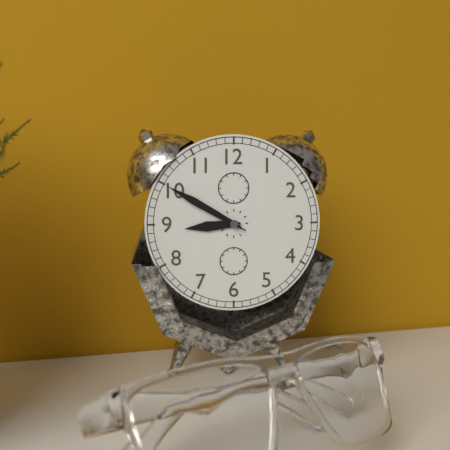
8:50
